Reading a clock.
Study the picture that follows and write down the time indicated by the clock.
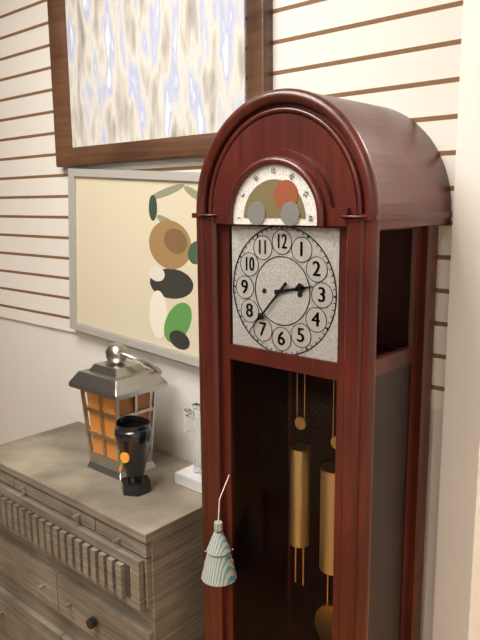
2:37
